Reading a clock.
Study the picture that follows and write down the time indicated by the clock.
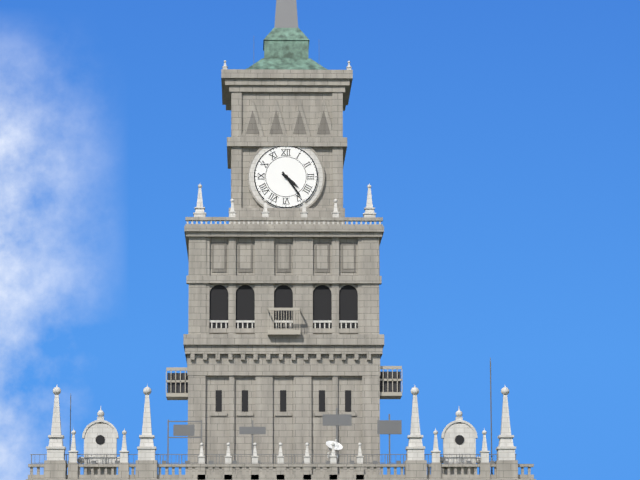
4:24
